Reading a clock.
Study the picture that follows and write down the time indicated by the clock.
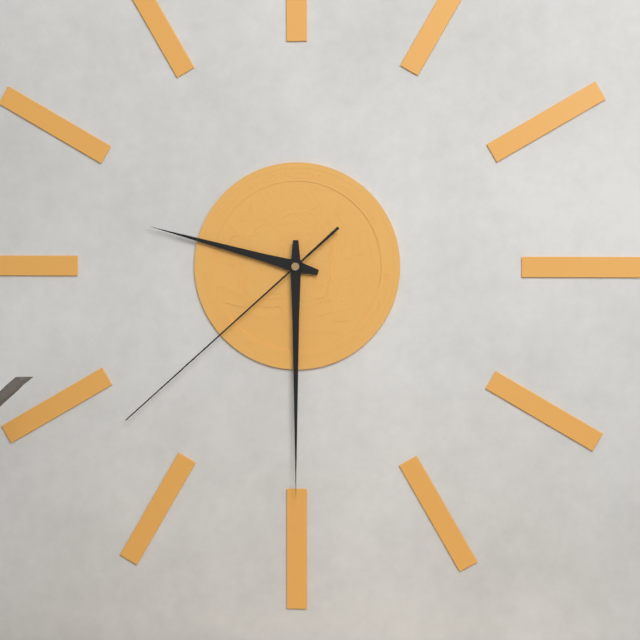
9:30:38
